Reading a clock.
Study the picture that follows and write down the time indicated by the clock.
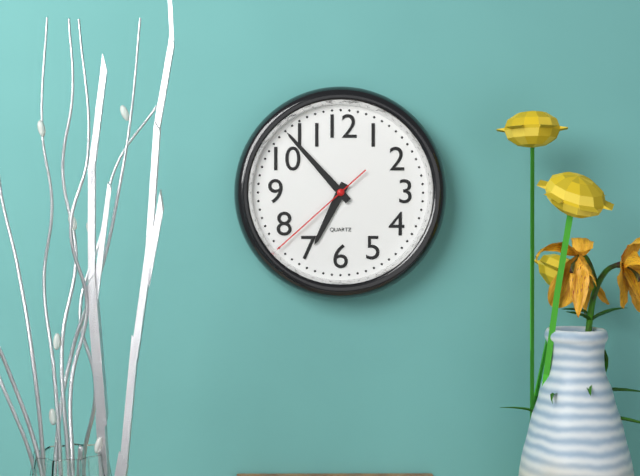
6:53:38
